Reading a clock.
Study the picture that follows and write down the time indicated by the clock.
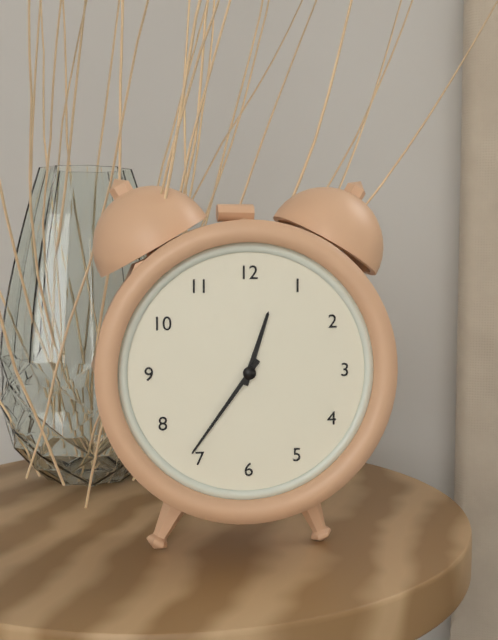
12:36
